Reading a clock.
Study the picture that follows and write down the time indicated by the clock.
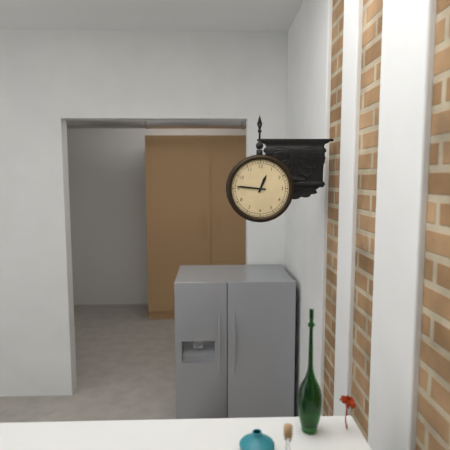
12:46
